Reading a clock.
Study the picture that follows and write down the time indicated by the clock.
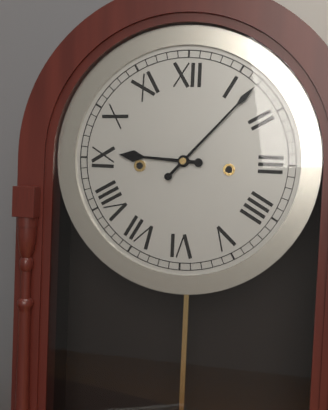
9:07
